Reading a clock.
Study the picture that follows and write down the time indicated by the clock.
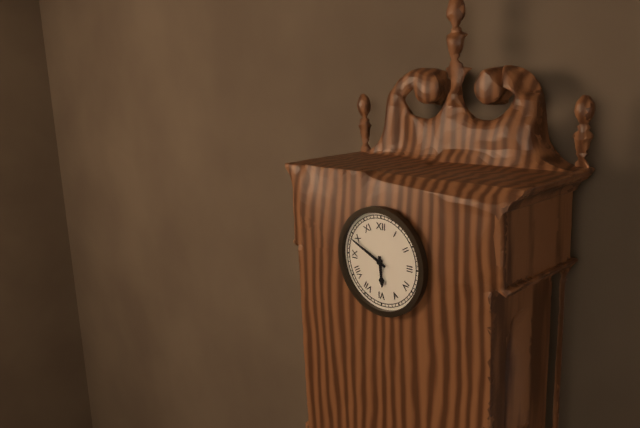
5:49
